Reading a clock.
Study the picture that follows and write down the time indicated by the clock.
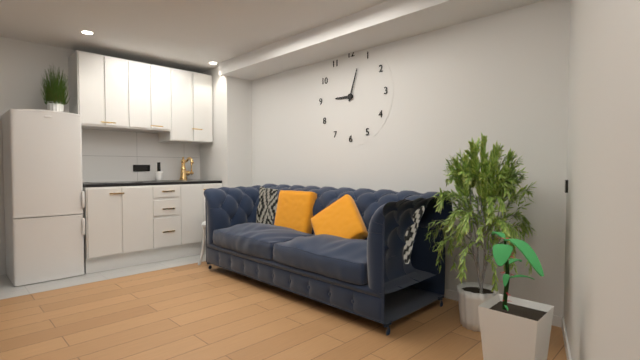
9:03
